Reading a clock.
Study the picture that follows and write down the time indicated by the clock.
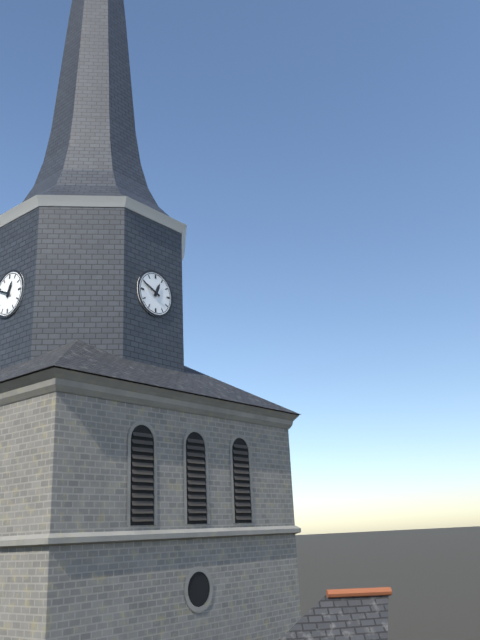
12:49
